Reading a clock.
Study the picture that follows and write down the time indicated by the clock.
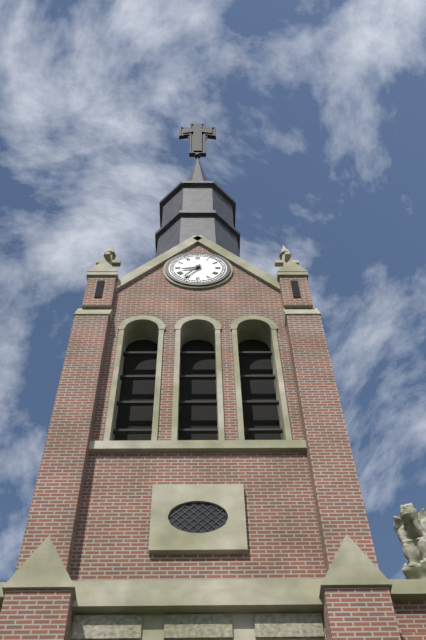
8:36
